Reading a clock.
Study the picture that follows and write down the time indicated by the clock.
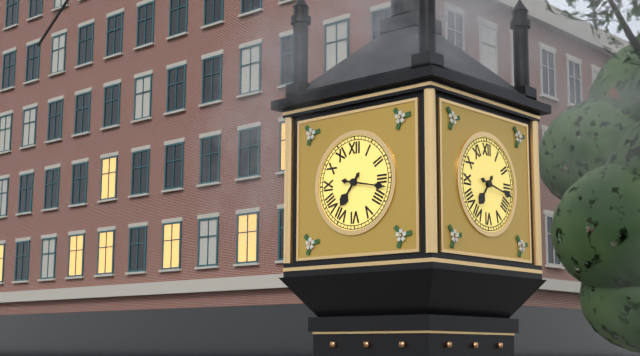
7:17
